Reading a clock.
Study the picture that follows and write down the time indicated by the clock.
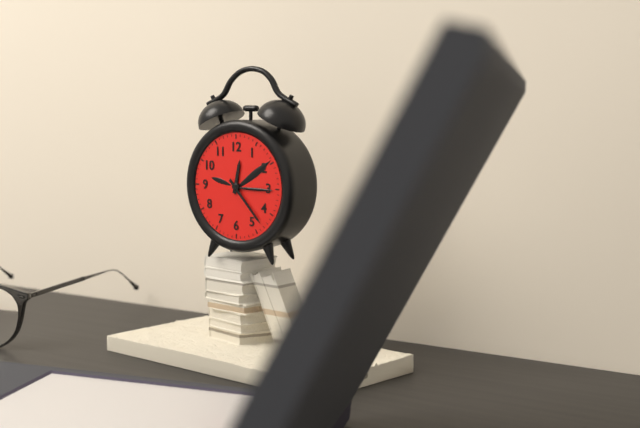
12:23
